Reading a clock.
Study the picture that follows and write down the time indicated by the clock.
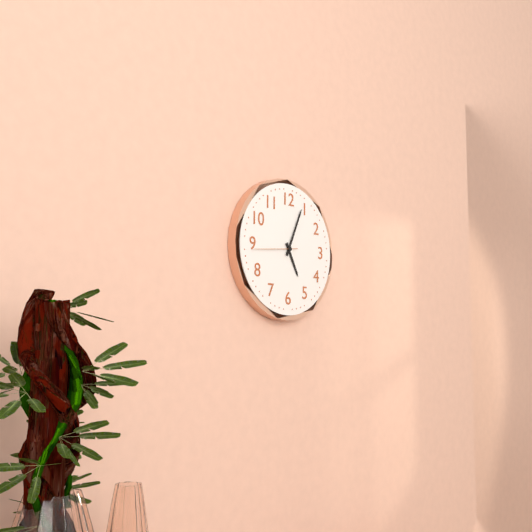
5:04
